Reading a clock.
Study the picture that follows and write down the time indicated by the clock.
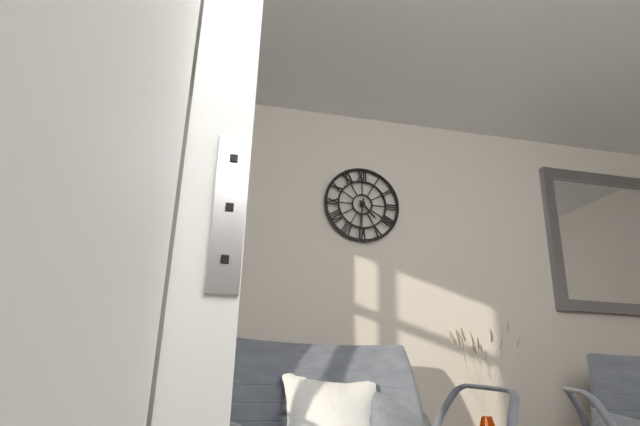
4:31
